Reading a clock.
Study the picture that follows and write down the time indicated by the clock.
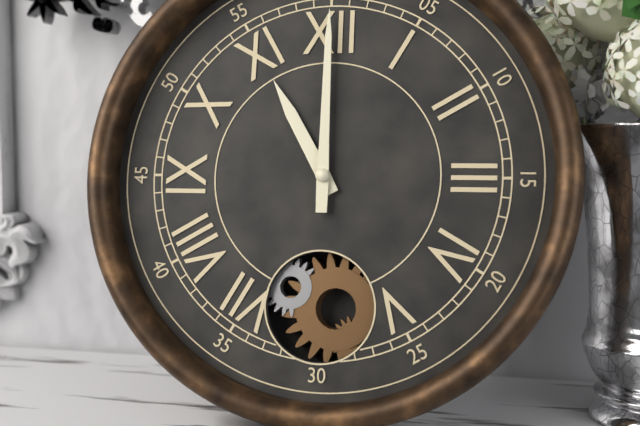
11:00
